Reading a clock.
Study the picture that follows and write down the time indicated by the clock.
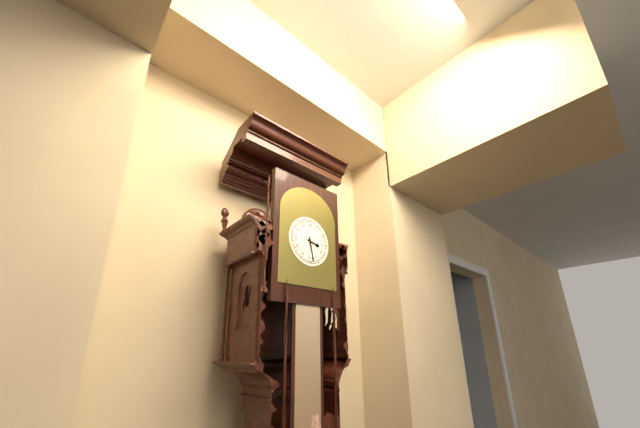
3:28
